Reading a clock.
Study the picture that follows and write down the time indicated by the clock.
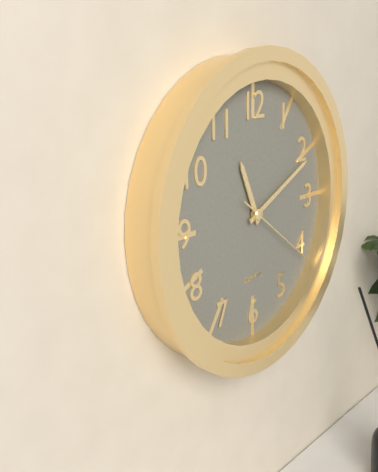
11:11:21
